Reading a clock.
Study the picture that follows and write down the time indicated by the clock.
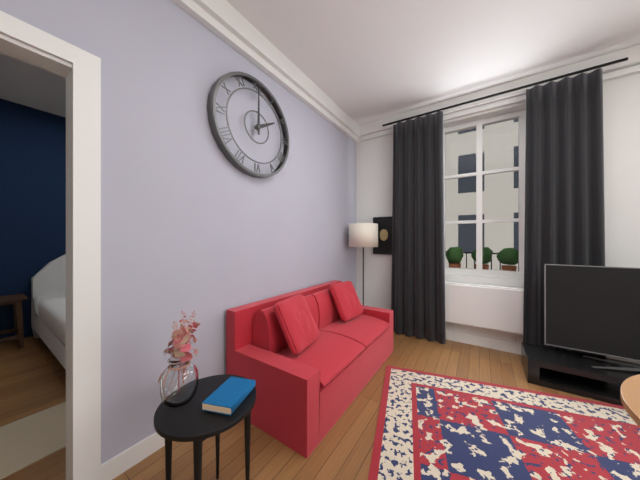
2:00
